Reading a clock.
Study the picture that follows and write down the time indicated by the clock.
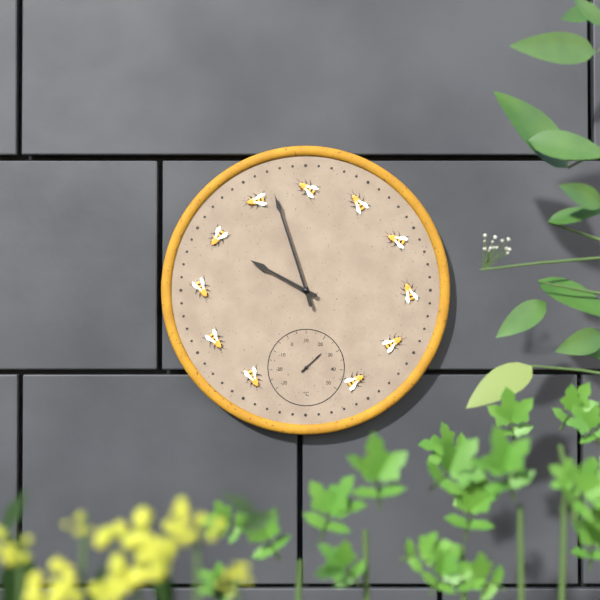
9:57
